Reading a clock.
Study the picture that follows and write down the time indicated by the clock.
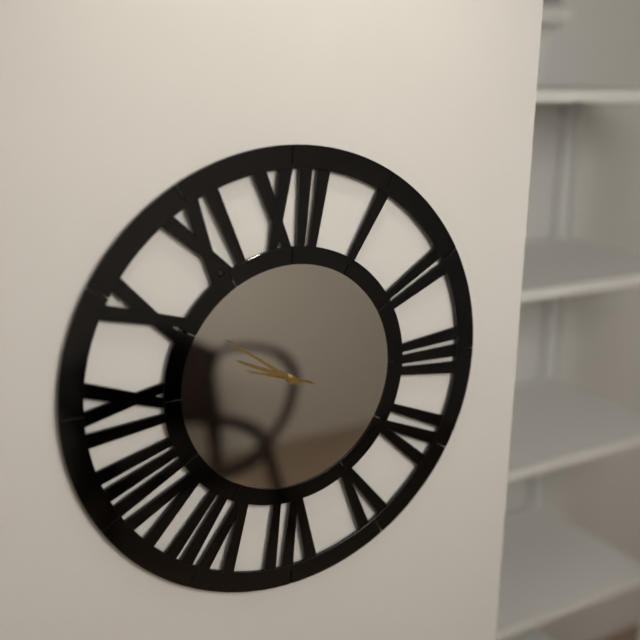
9:51
